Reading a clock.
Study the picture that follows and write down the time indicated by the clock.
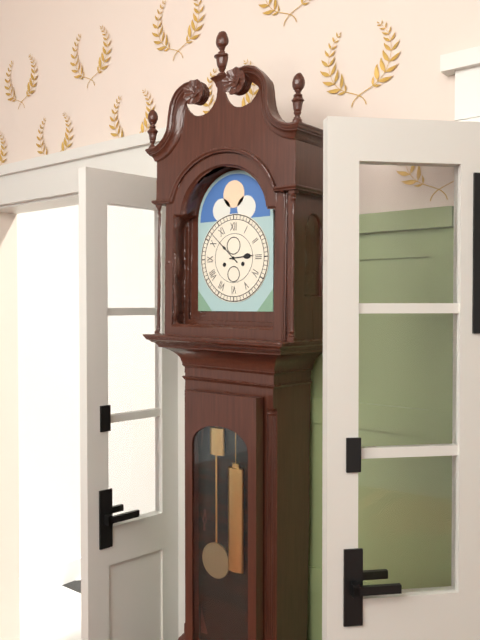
2:52
